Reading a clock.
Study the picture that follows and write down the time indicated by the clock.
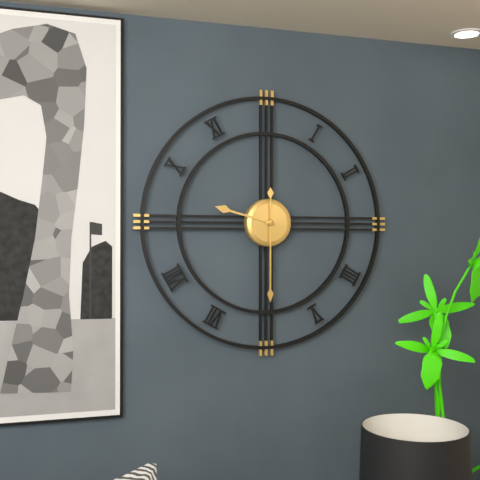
9:30
